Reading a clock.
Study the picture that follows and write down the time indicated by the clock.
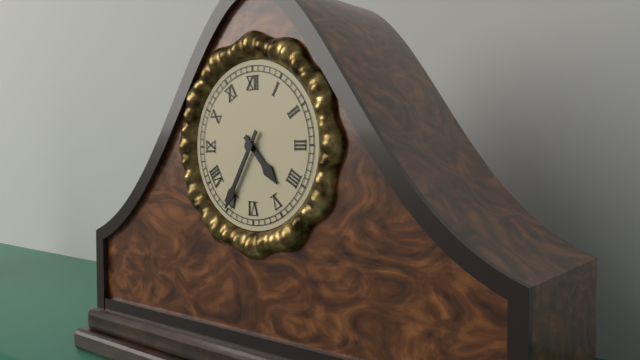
4:35
